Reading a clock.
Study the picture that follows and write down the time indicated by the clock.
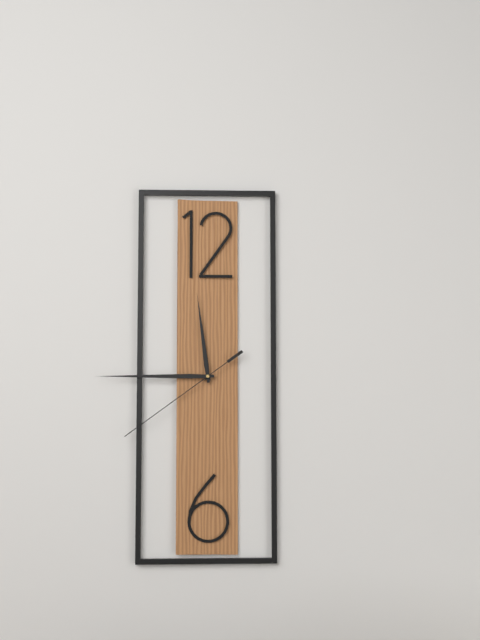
11:45:39
